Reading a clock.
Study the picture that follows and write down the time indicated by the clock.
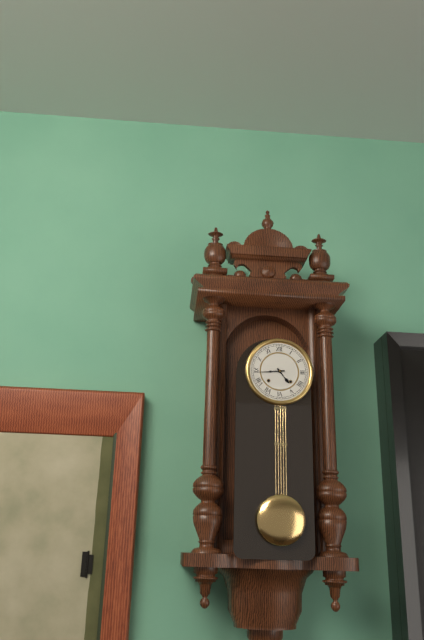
4:44
